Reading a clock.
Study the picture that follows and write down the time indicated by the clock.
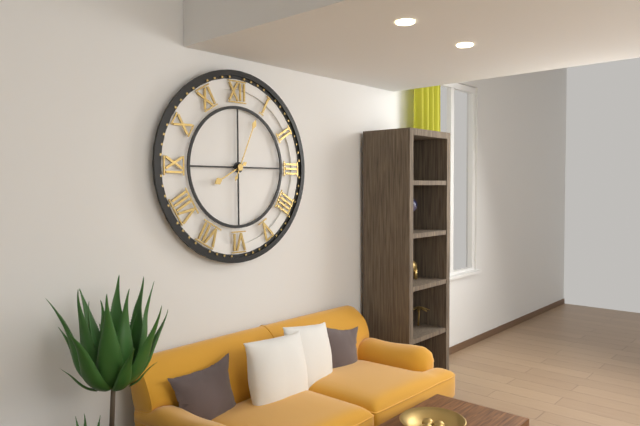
8:04
